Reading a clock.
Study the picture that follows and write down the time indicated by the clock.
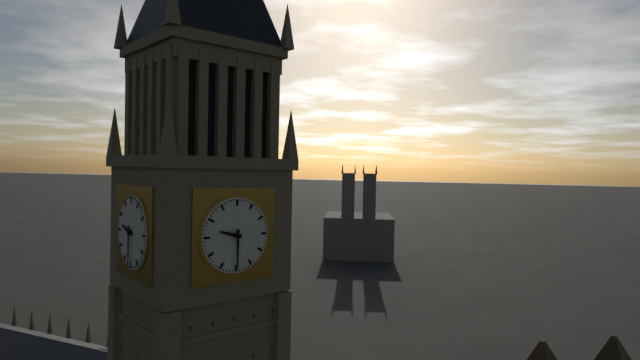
9:30
